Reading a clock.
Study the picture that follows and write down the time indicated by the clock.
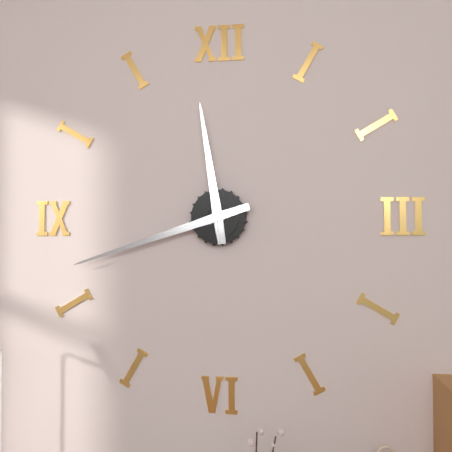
11:42
